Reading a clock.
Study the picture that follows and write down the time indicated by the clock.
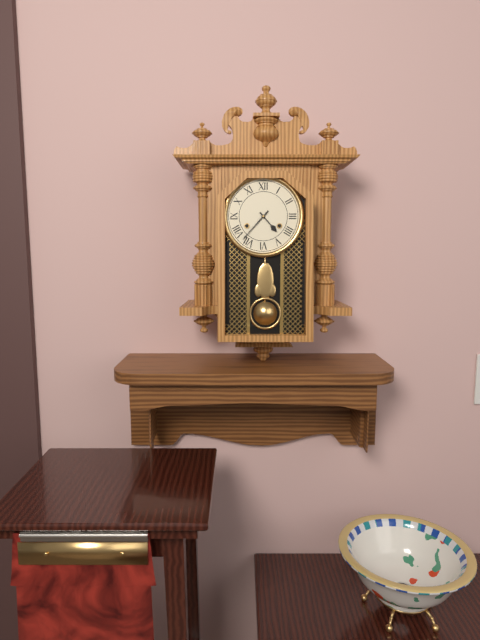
4:37
